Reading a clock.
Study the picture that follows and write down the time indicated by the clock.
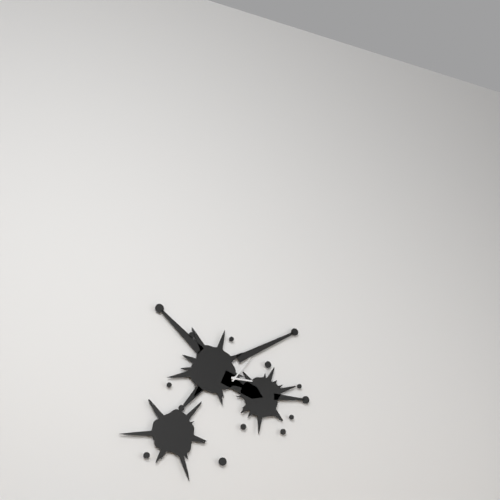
3:06
